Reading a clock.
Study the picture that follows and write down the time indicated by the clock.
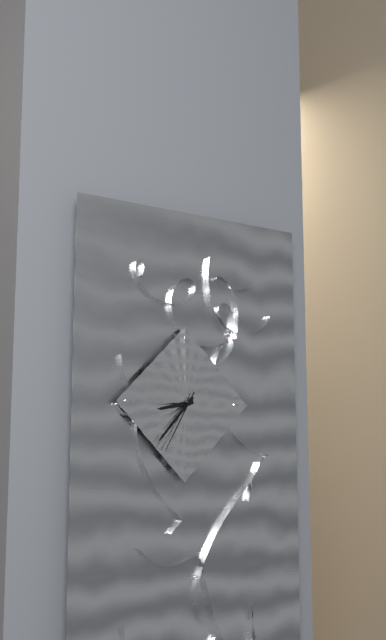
8:37:35
